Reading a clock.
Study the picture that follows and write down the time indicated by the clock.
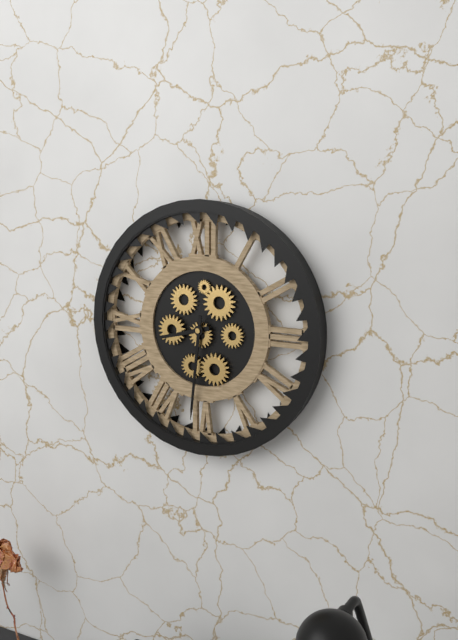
8:31
